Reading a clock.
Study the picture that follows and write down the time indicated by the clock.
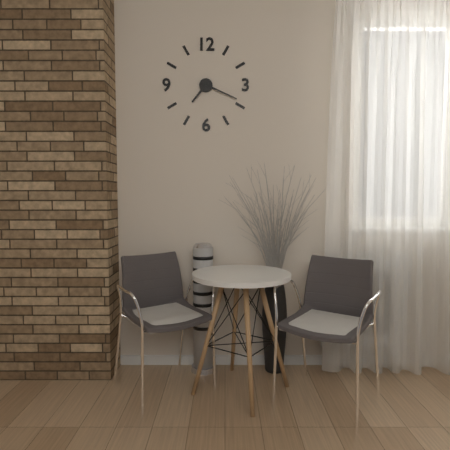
7:19
